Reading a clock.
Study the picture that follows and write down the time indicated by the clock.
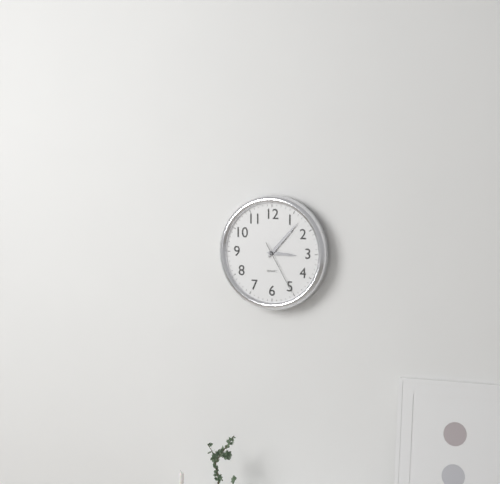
3:07:25
